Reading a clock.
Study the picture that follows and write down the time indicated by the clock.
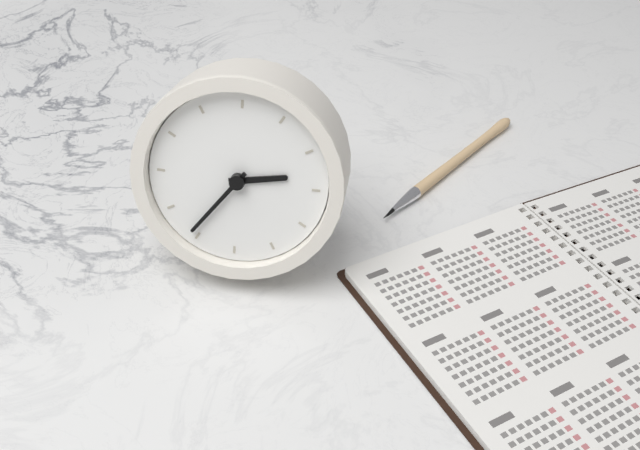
2:36
